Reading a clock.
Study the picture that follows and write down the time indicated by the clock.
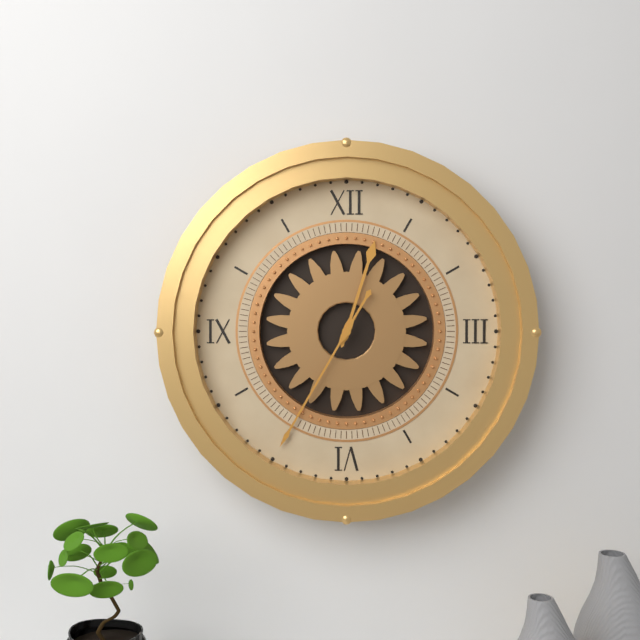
12:35
